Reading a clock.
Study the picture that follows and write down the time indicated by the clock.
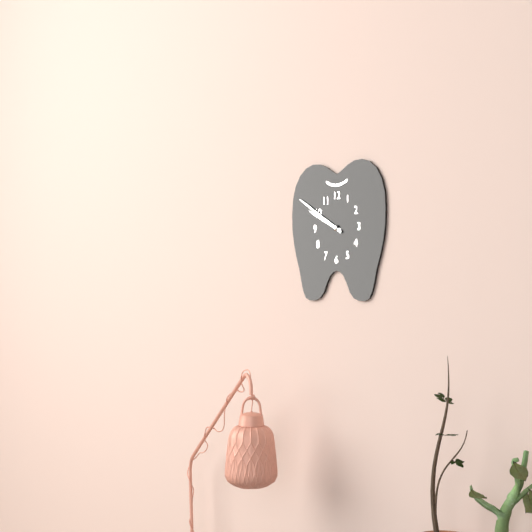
9:50
